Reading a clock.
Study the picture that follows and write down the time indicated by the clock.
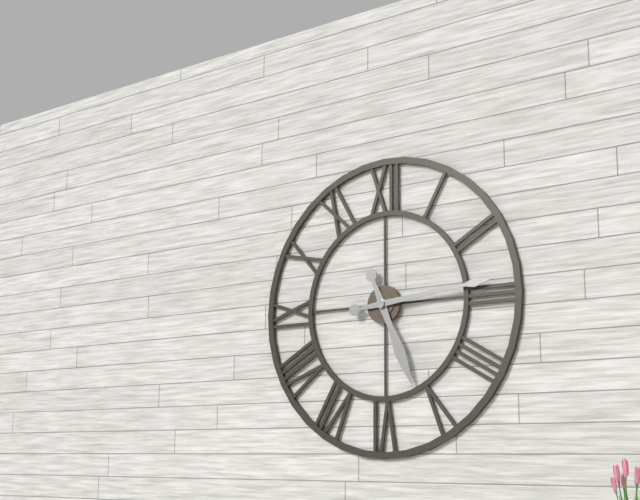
5:14
